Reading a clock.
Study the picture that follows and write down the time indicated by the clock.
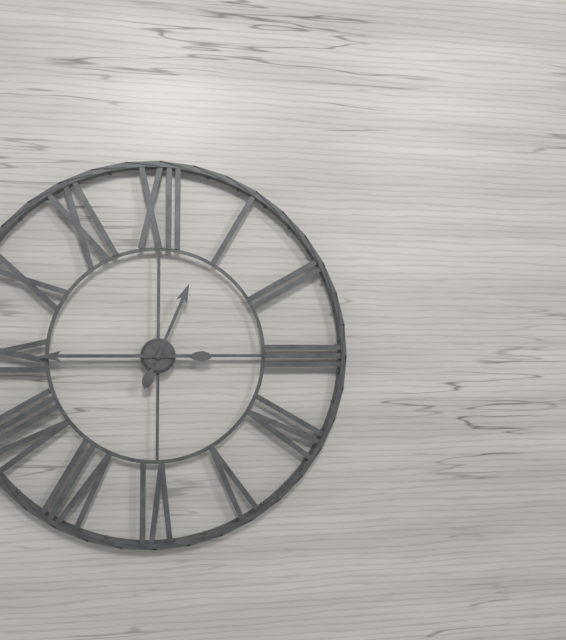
12:45
